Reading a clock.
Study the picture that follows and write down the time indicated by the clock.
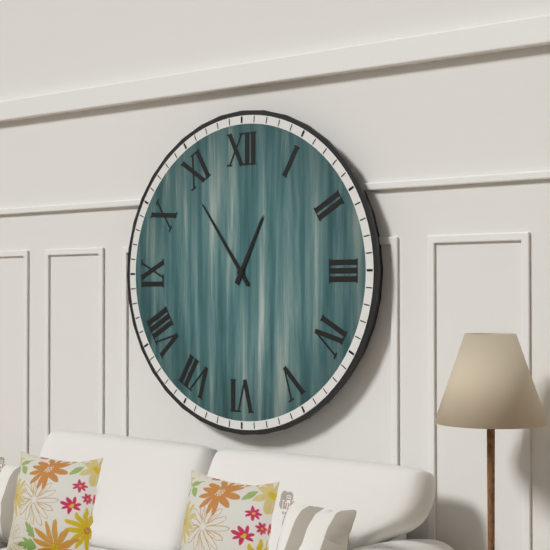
12:54
